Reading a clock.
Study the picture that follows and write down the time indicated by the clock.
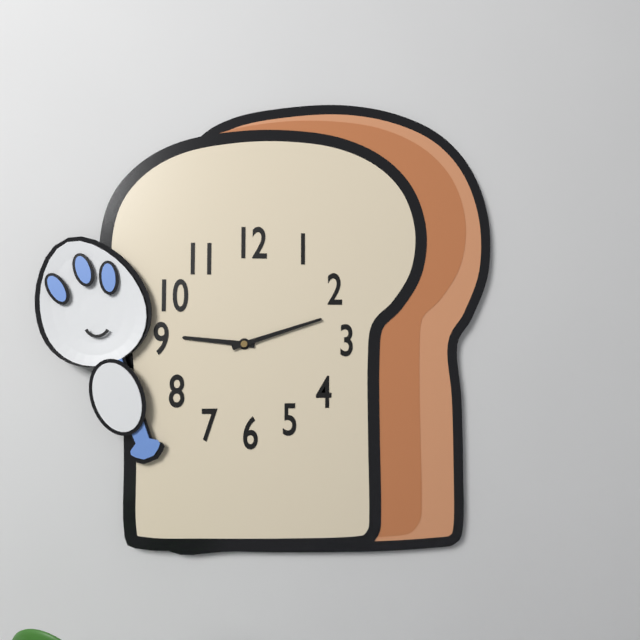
9:12
